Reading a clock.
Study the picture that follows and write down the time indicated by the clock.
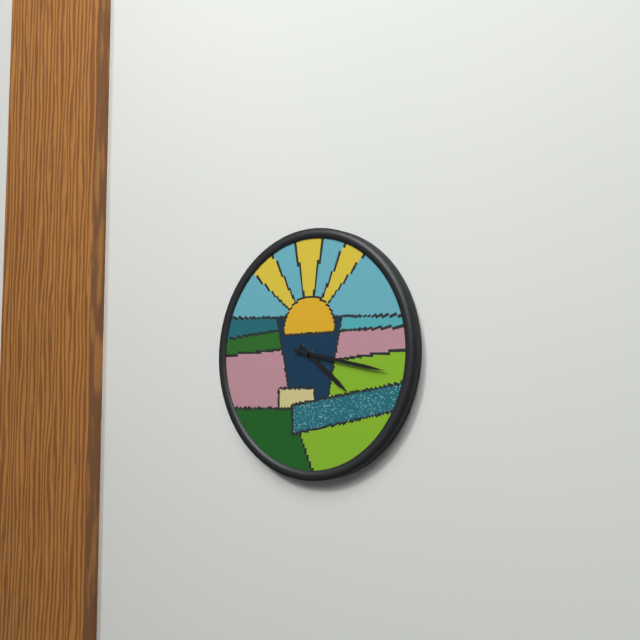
4:17
